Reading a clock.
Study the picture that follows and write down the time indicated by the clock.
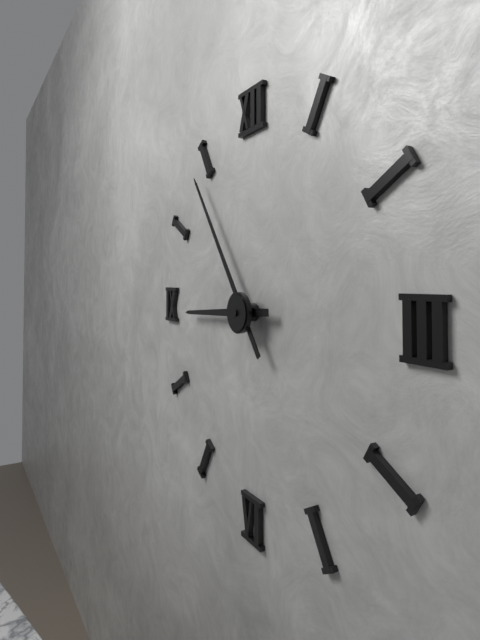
8:54
